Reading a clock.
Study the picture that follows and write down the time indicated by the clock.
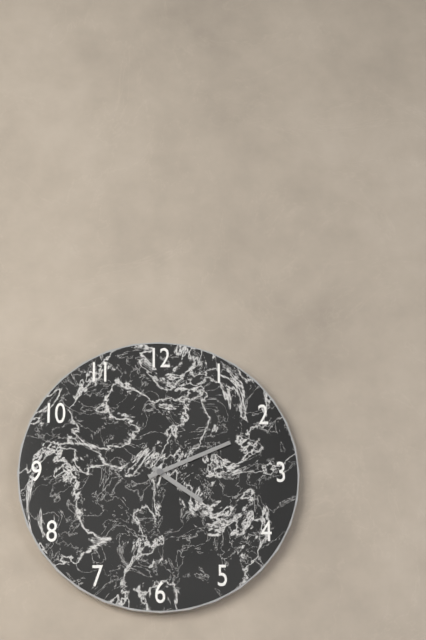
4:11
